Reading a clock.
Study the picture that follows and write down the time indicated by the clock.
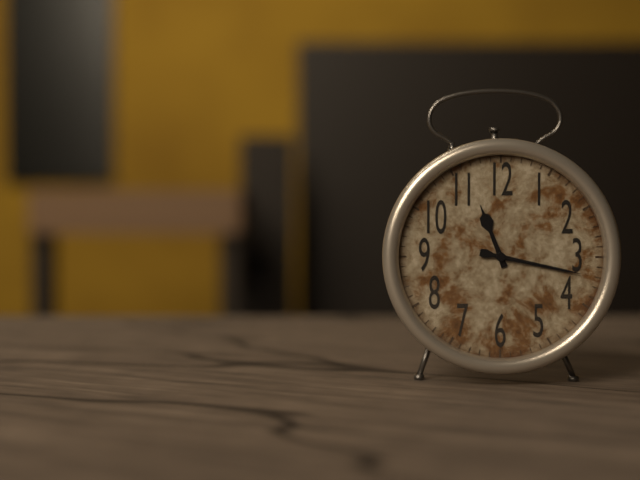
11:17
